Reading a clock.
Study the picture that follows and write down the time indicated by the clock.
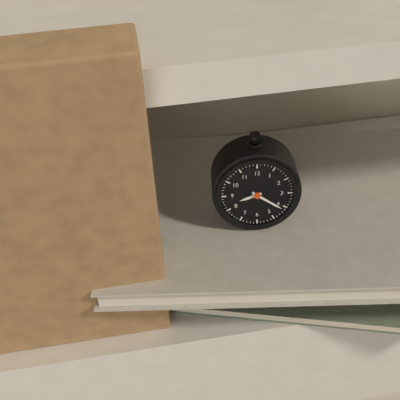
8:21
